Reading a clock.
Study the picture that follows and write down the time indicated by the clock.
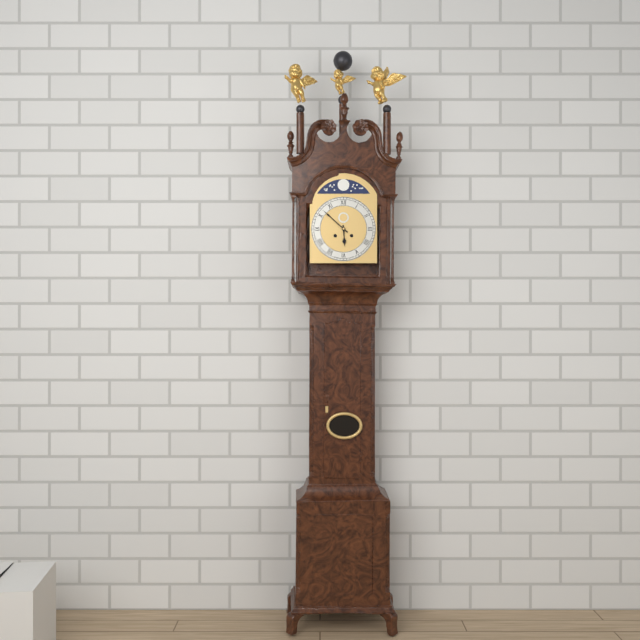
5:52
